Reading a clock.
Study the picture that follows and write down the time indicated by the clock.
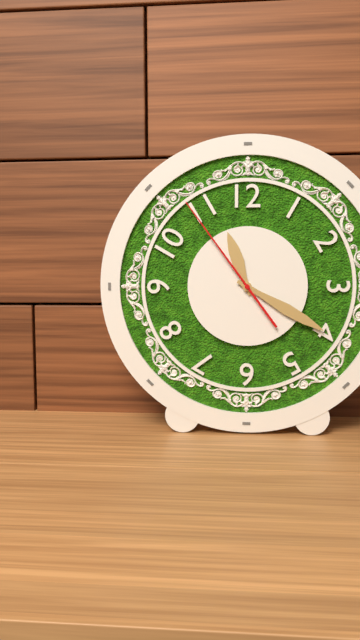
11:20:54
